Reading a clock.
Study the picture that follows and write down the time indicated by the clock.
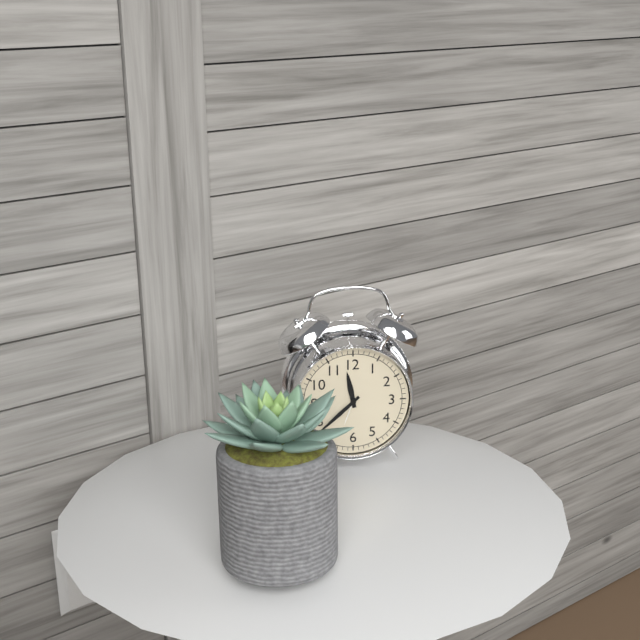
11:38
